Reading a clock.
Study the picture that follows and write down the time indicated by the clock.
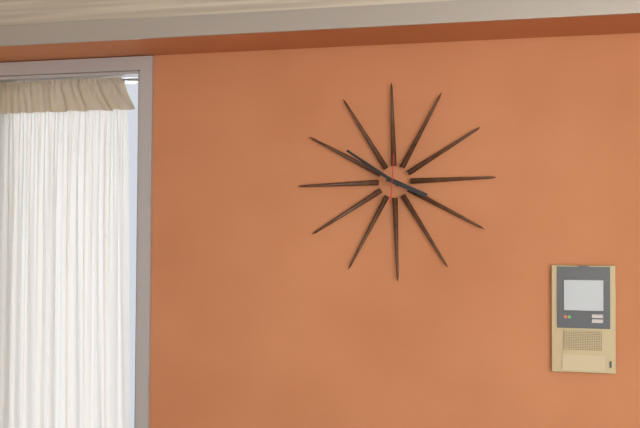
3:51
